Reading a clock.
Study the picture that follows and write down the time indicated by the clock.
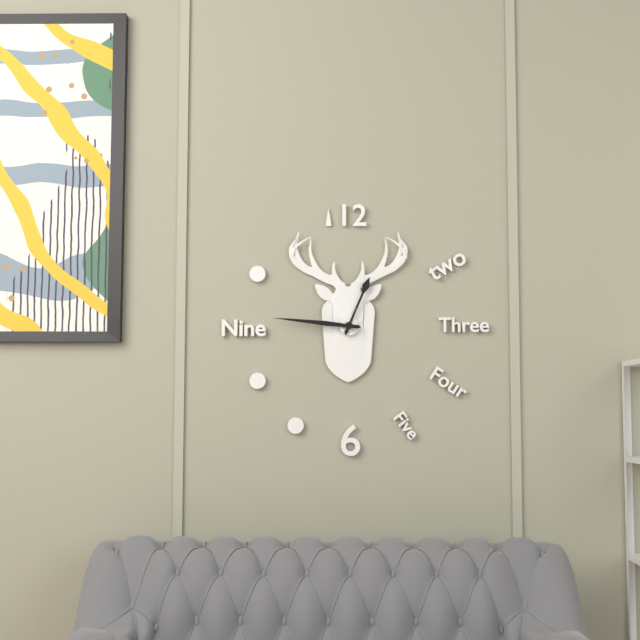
12:46
